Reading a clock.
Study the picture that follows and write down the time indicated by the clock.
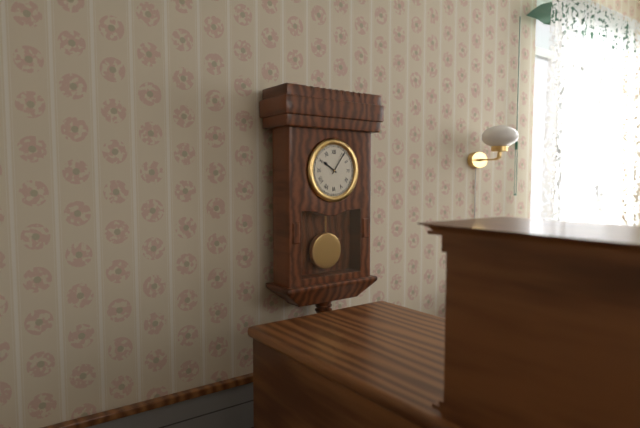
10:06
